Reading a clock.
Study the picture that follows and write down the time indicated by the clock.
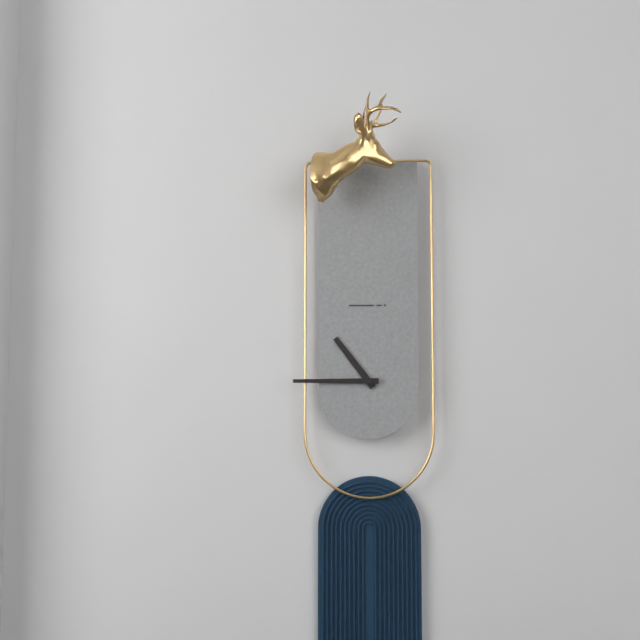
10:45
